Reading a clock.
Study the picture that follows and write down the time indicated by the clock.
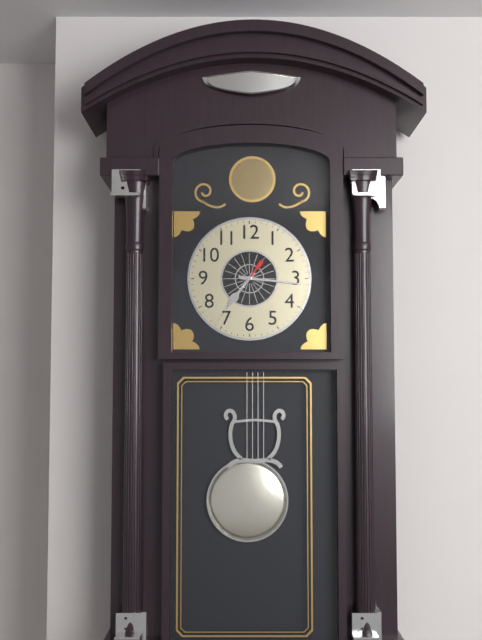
7:16:36
